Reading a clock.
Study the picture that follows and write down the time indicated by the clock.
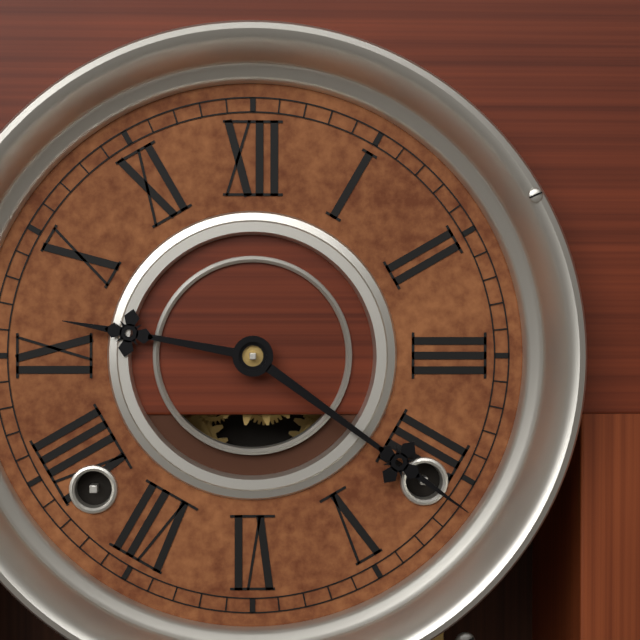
9:21
